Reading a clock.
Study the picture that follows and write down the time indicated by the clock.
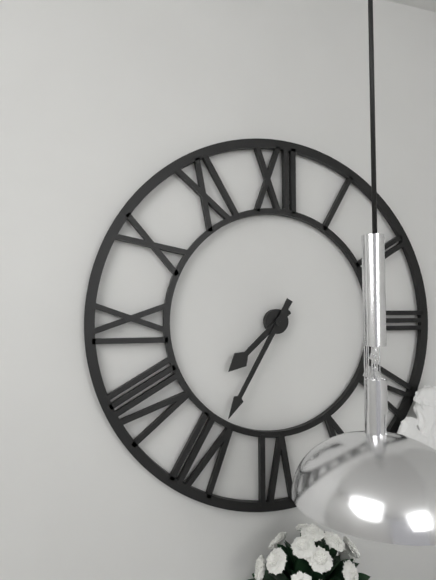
7:35
